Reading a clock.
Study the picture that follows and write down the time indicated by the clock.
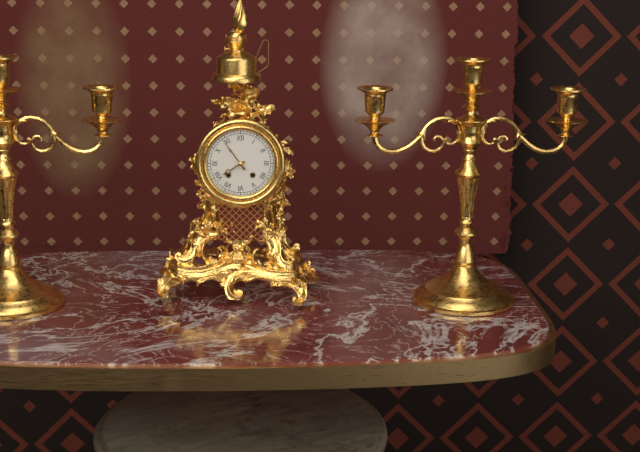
7:54
